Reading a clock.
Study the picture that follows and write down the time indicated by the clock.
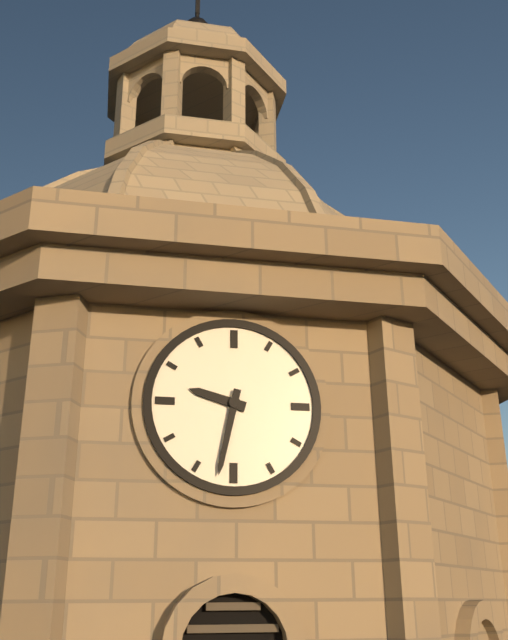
9:32
